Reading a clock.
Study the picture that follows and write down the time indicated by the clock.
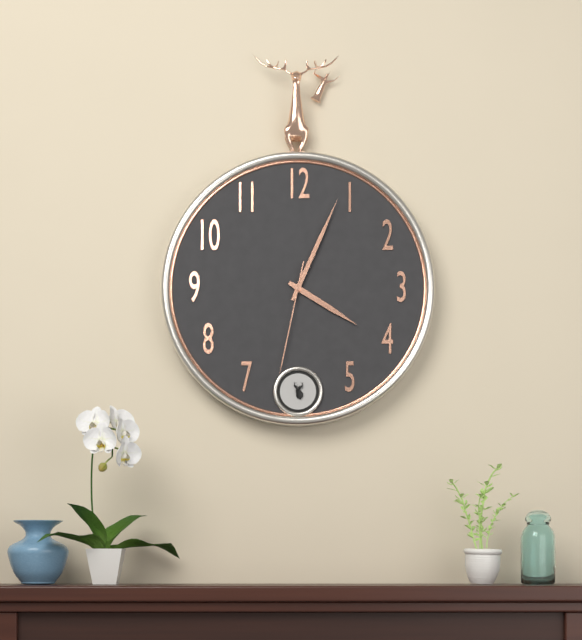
4:04:32
